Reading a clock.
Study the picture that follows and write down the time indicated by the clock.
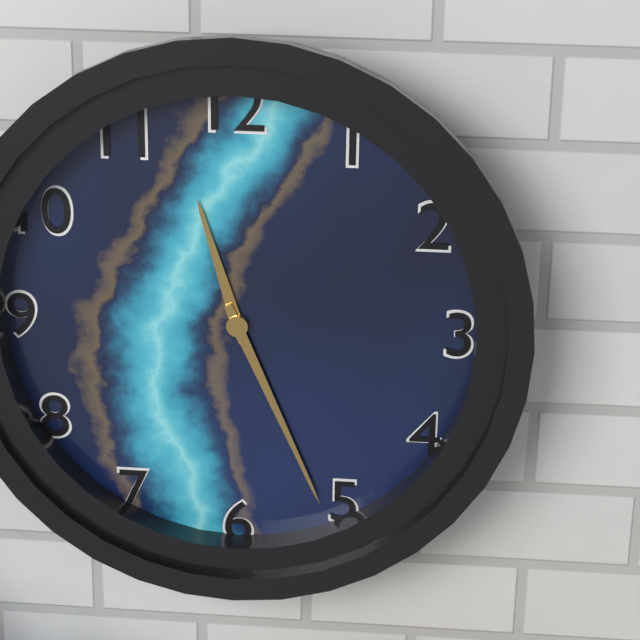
11:26
